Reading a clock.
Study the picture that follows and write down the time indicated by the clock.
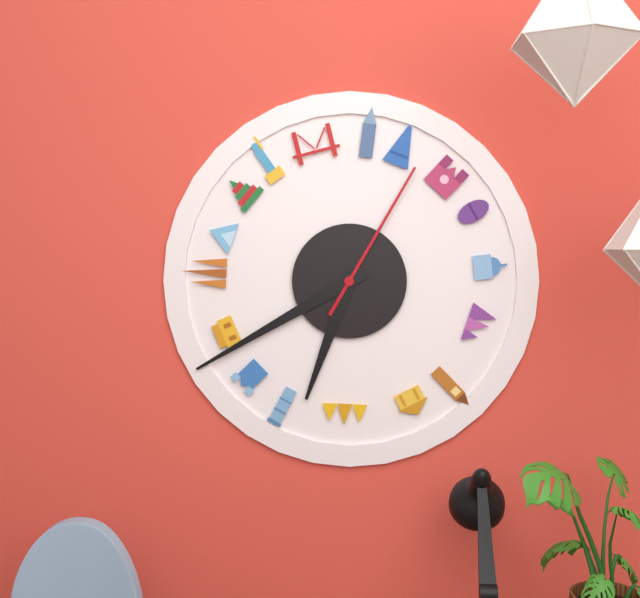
6:40:05
